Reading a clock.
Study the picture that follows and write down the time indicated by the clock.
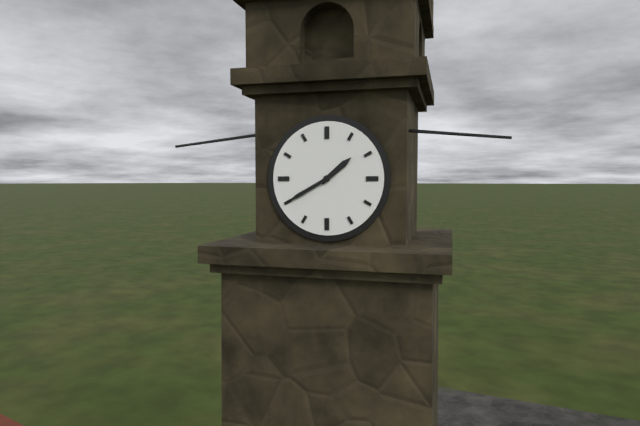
1:40
